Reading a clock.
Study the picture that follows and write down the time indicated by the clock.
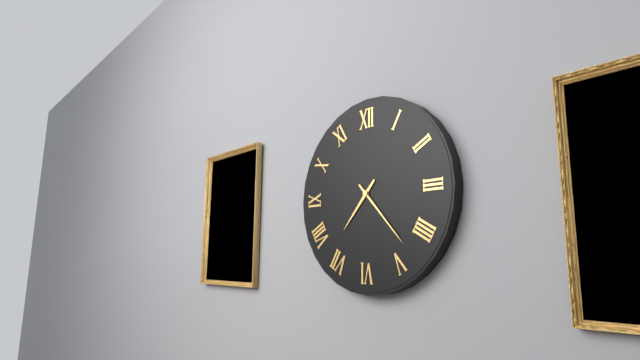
7:23
